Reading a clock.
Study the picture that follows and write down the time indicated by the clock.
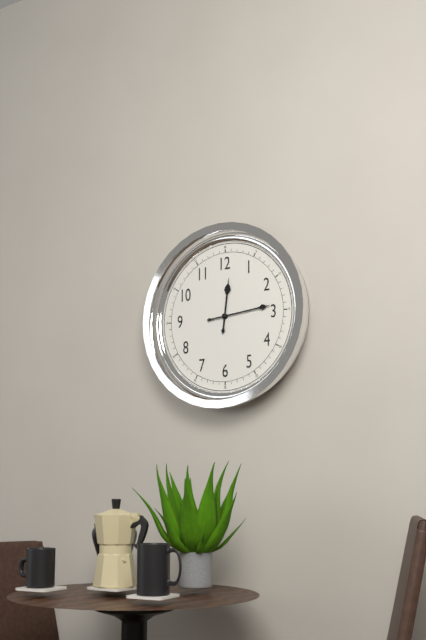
12:14
